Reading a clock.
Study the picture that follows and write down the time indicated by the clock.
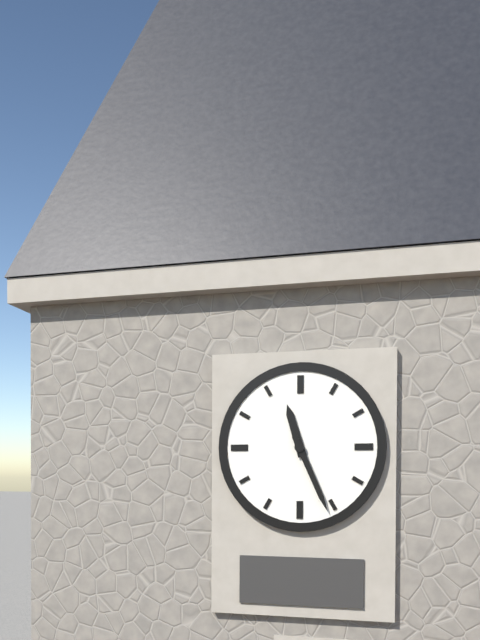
11:26
